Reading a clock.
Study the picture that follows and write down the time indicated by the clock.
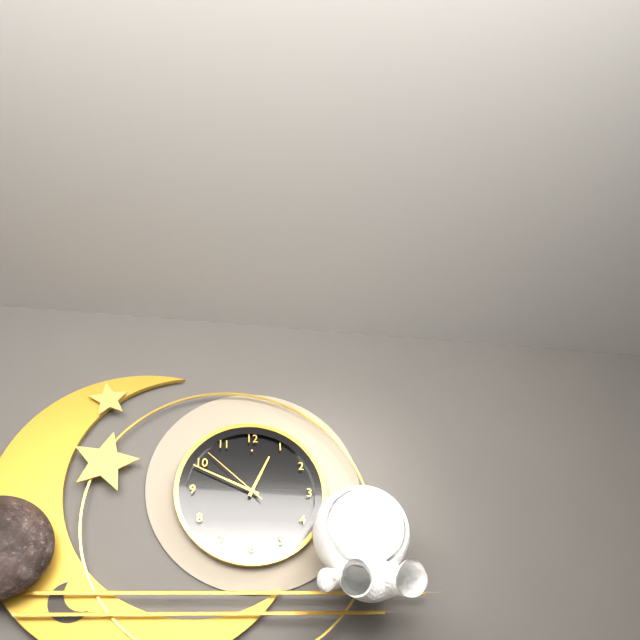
12:49:52
